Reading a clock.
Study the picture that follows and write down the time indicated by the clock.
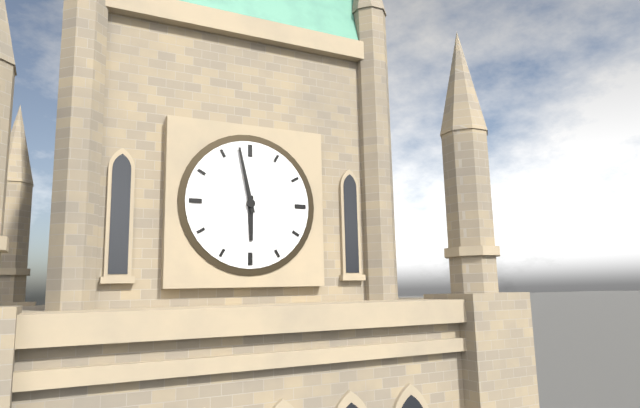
5:58
